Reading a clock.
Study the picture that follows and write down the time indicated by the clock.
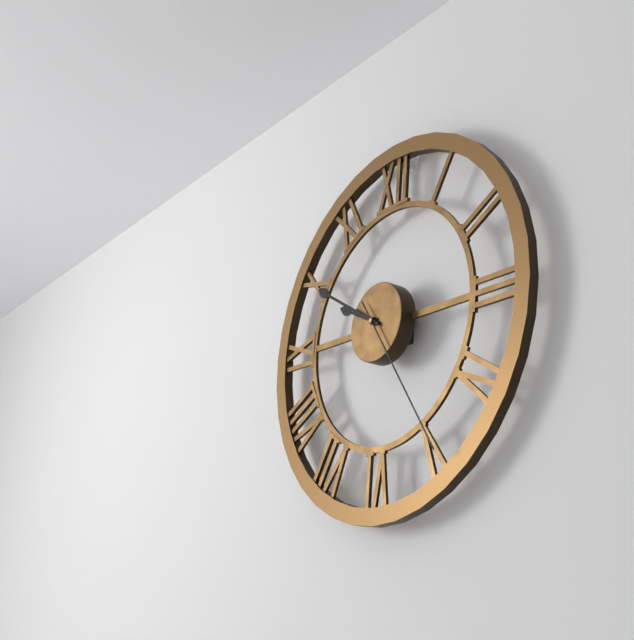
9:50:24
